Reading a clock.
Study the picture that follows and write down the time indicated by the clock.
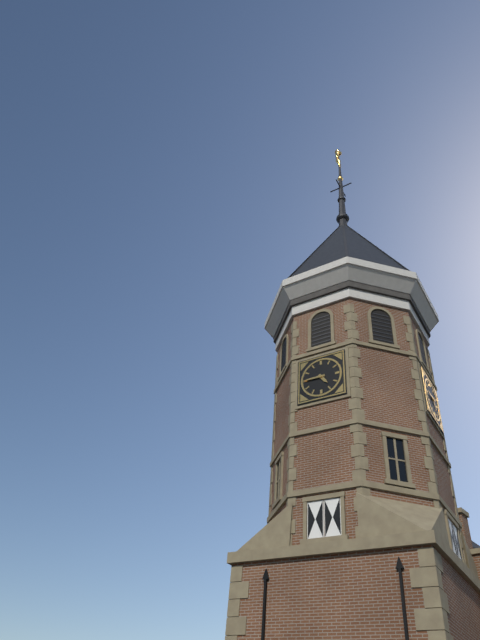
4:45
